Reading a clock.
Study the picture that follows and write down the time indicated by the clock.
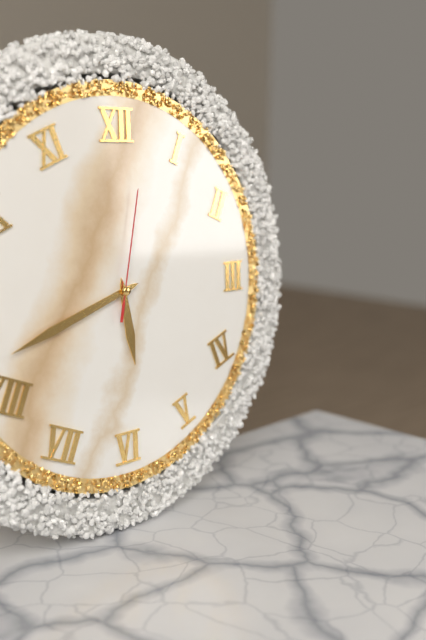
5:42:02
